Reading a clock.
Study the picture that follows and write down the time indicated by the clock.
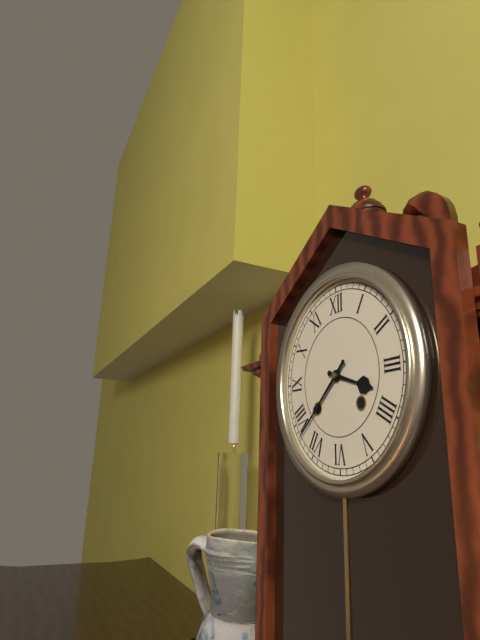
3:38
